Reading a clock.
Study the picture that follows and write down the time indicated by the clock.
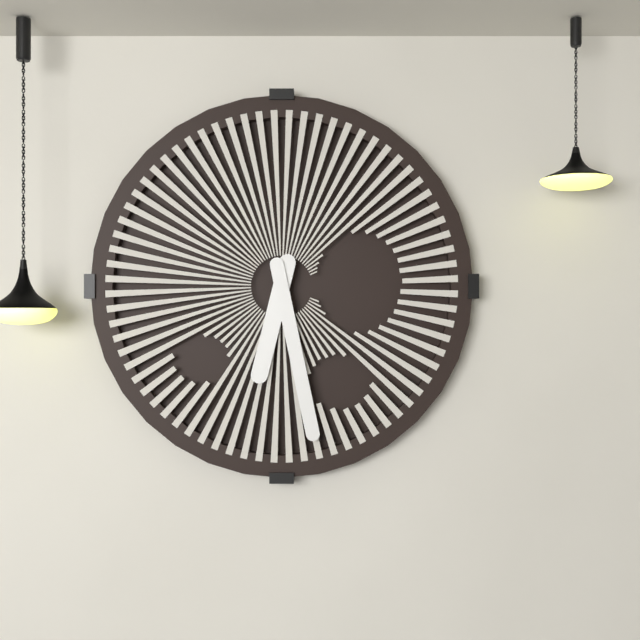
6:28
